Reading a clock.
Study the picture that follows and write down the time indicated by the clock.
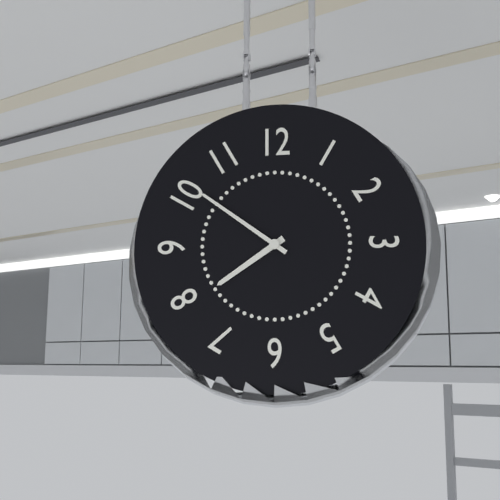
7:51
